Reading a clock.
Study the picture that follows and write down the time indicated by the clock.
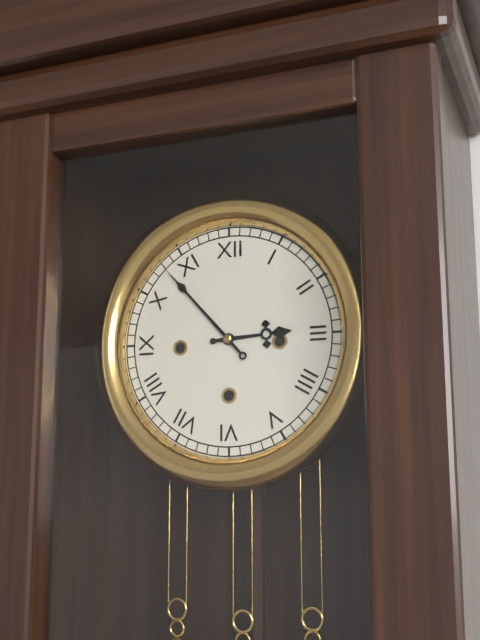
2:53
